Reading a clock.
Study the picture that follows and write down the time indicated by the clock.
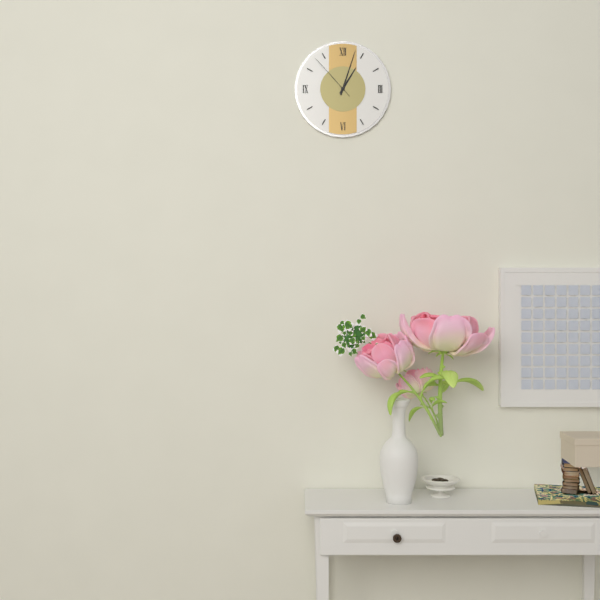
1:03:53
